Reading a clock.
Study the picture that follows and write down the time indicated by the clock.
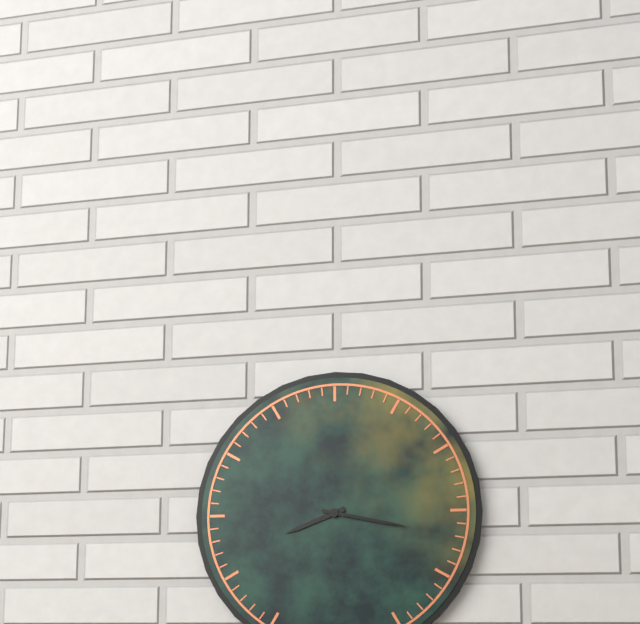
8:17
